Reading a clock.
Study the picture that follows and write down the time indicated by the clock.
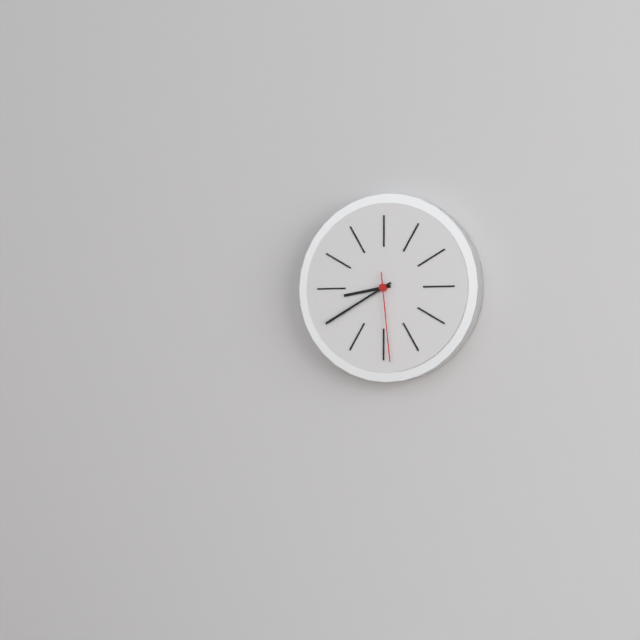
8:40:29
